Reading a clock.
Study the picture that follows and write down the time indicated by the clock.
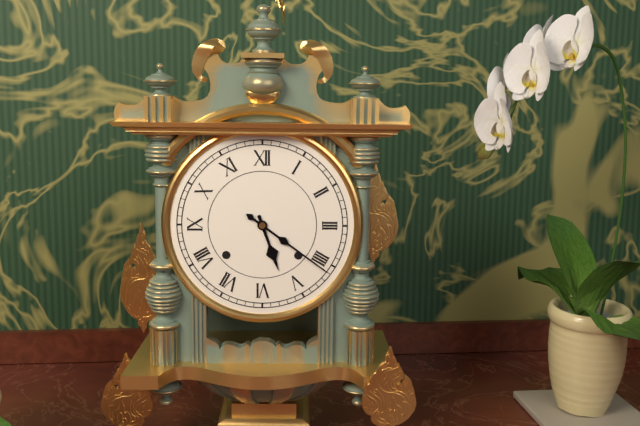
5:21
